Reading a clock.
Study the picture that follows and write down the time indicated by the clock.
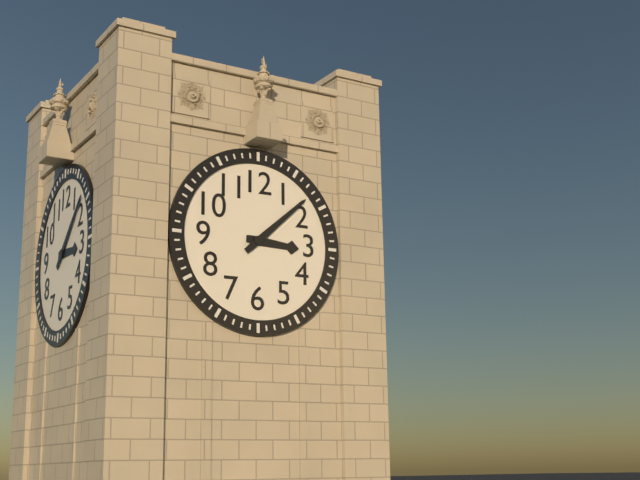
3:08
